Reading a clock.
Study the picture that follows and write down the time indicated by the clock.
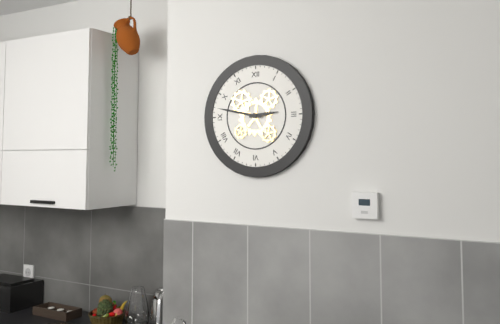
2:47
